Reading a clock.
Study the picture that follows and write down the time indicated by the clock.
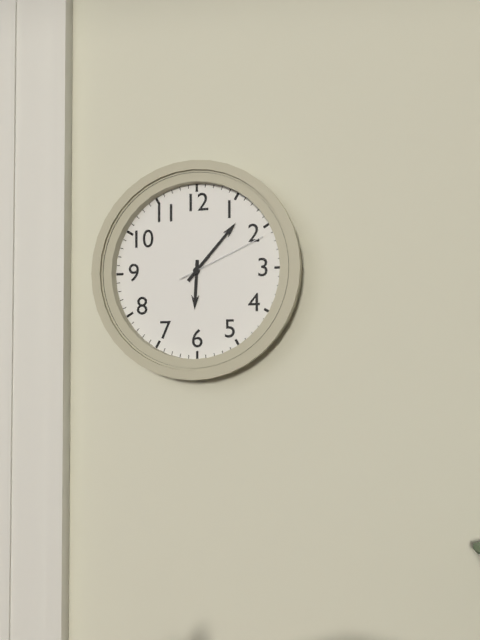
6:07:11
